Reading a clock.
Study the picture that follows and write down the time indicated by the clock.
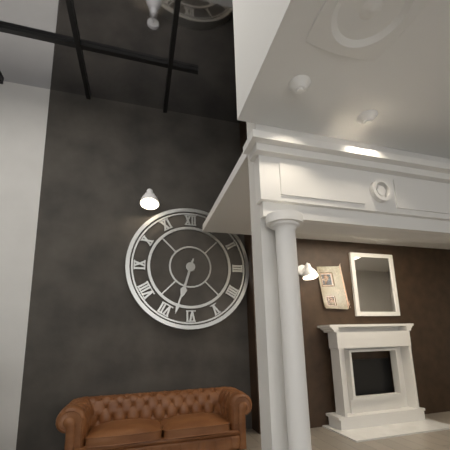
6:33
